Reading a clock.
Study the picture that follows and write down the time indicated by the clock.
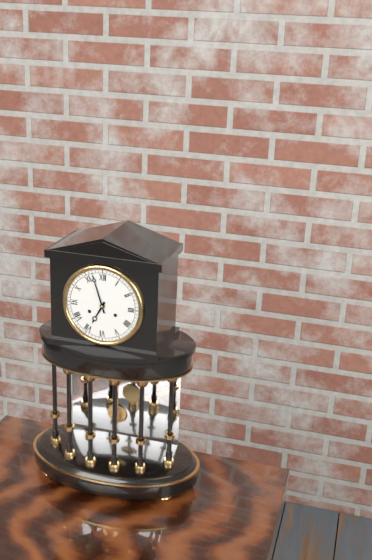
6:57
